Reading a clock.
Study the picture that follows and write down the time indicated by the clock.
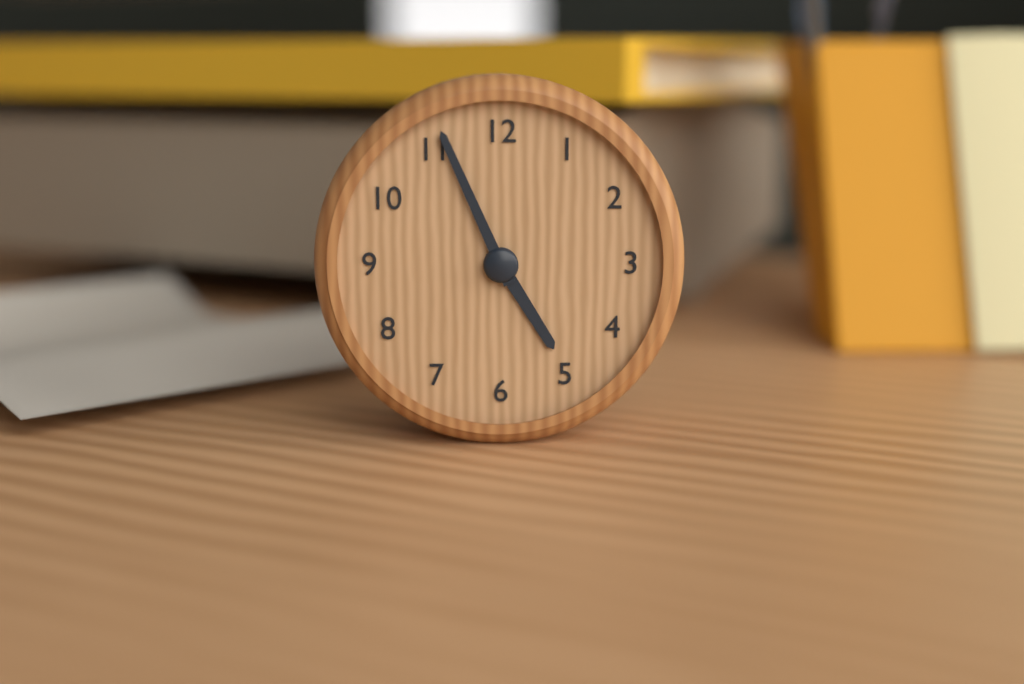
4:56
